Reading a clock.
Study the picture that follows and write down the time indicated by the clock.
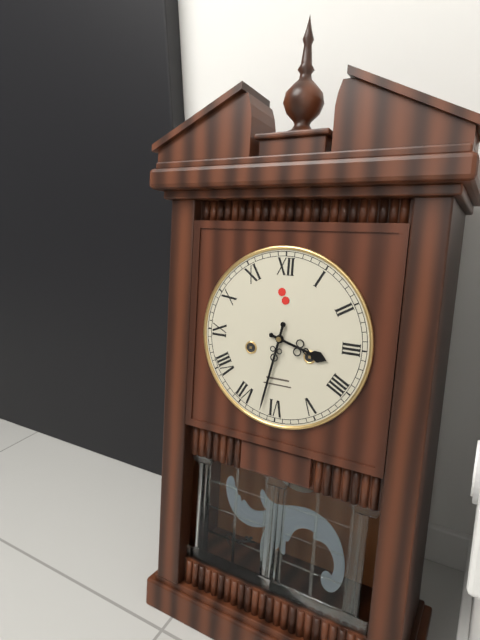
3:32
